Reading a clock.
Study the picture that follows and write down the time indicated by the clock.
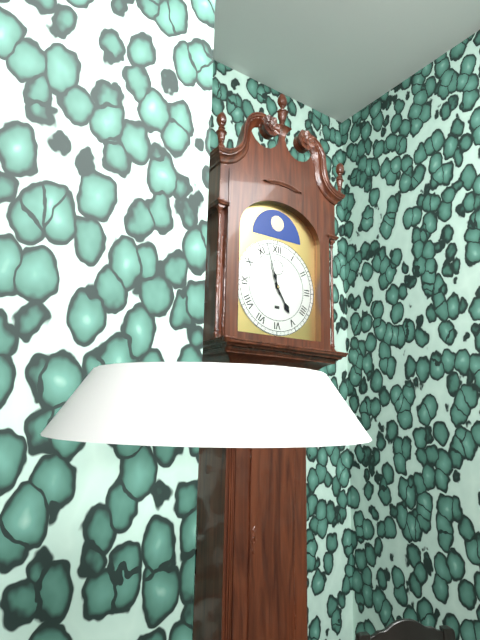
4:57
